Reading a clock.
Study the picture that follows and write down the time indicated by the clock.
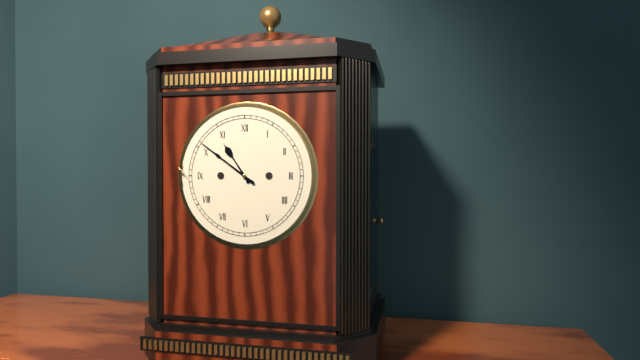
10:51
